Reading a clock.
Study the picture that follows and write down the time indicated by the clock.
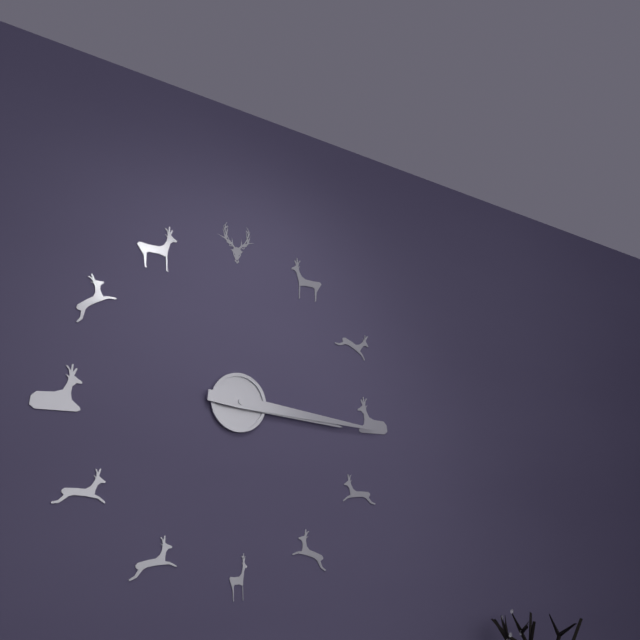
3:16
